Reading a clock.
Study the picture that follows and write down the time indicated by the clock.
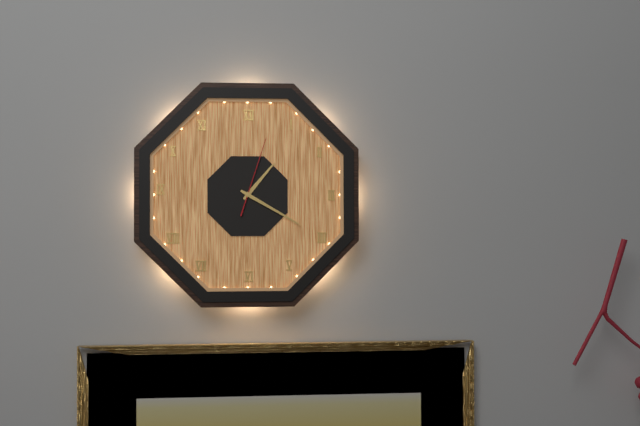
1:20:03
